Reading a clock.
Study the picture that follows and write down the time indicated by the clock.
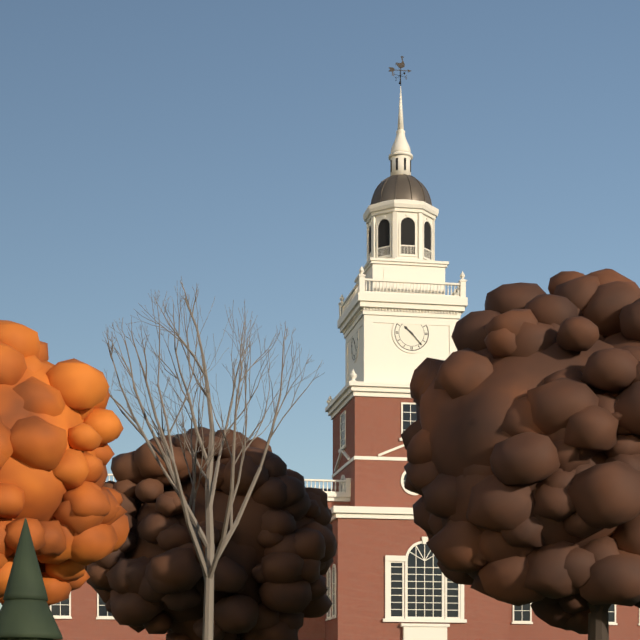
10:23
